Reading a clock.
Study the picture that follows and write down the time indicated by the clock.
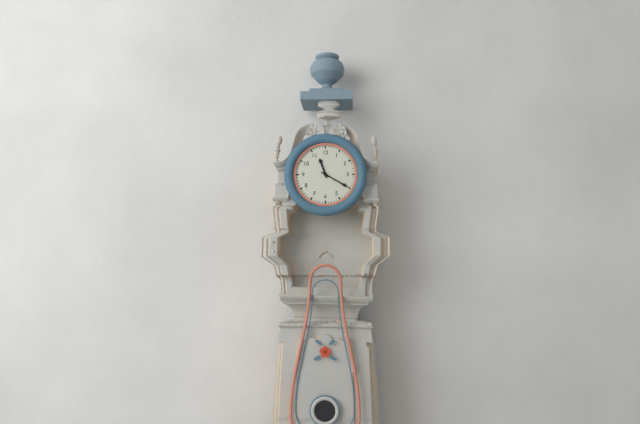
11:20
